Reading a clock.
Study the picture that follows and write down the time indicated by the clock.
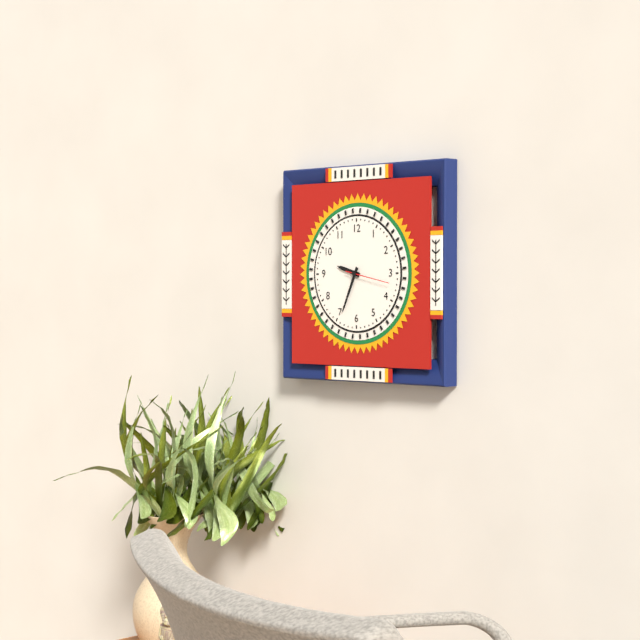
9:34
